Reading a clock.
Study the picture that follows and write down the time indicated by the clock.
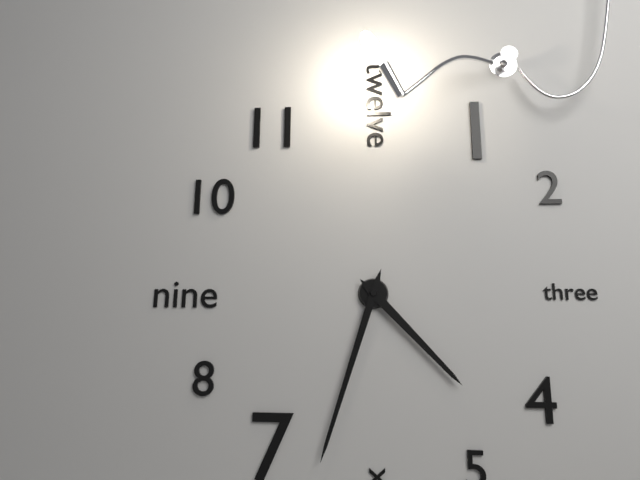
4:33
